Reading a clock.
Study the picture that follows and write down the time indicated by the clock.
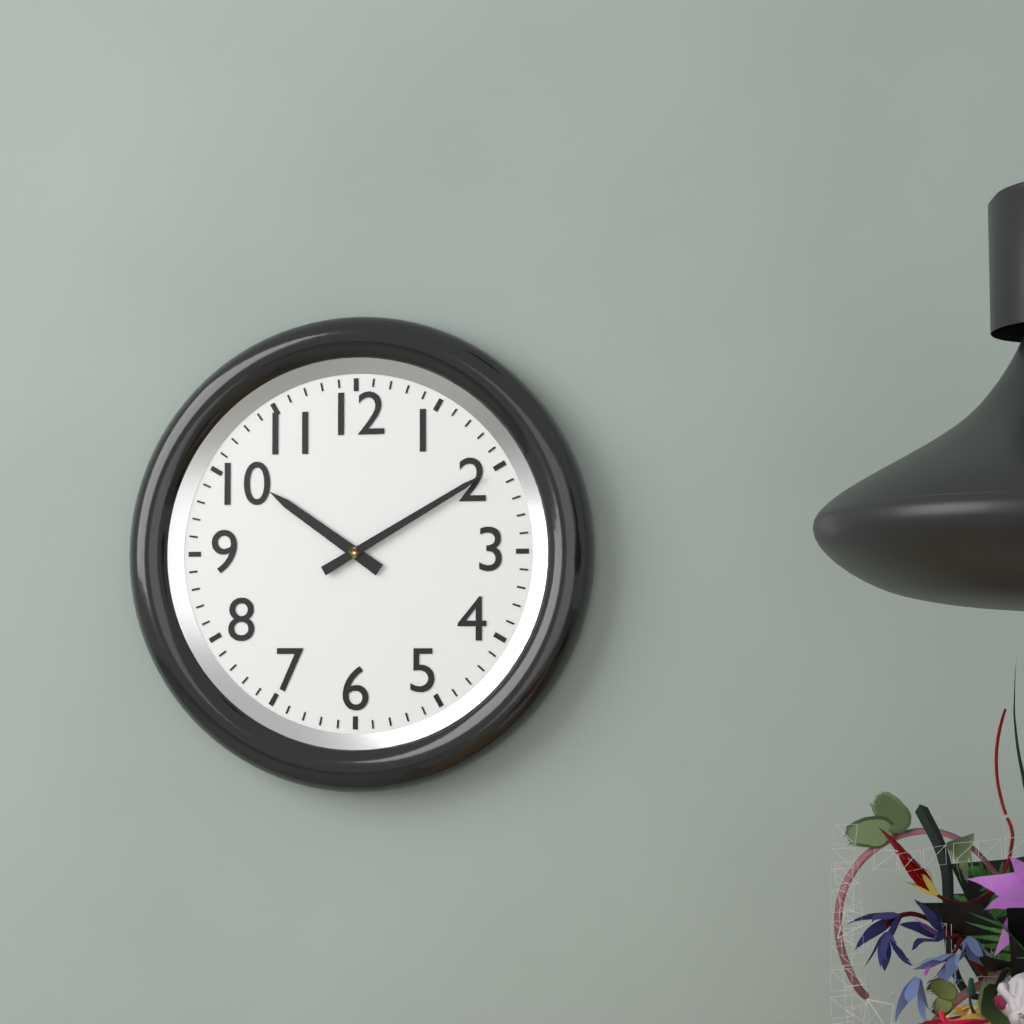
10:10
